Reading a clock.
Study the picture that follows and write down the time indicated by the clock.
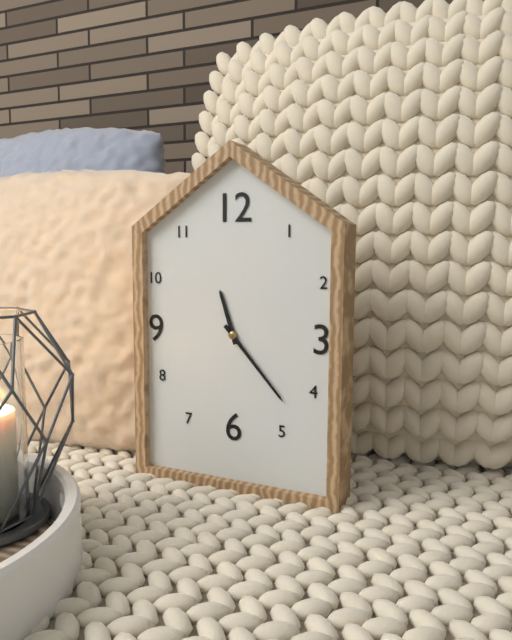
11:23
